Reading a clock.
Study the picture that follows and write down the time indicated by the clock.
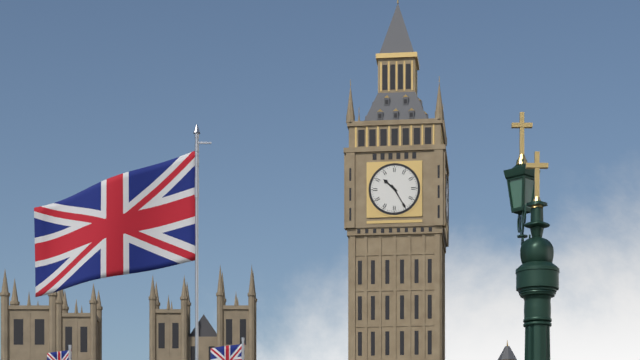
10:25
